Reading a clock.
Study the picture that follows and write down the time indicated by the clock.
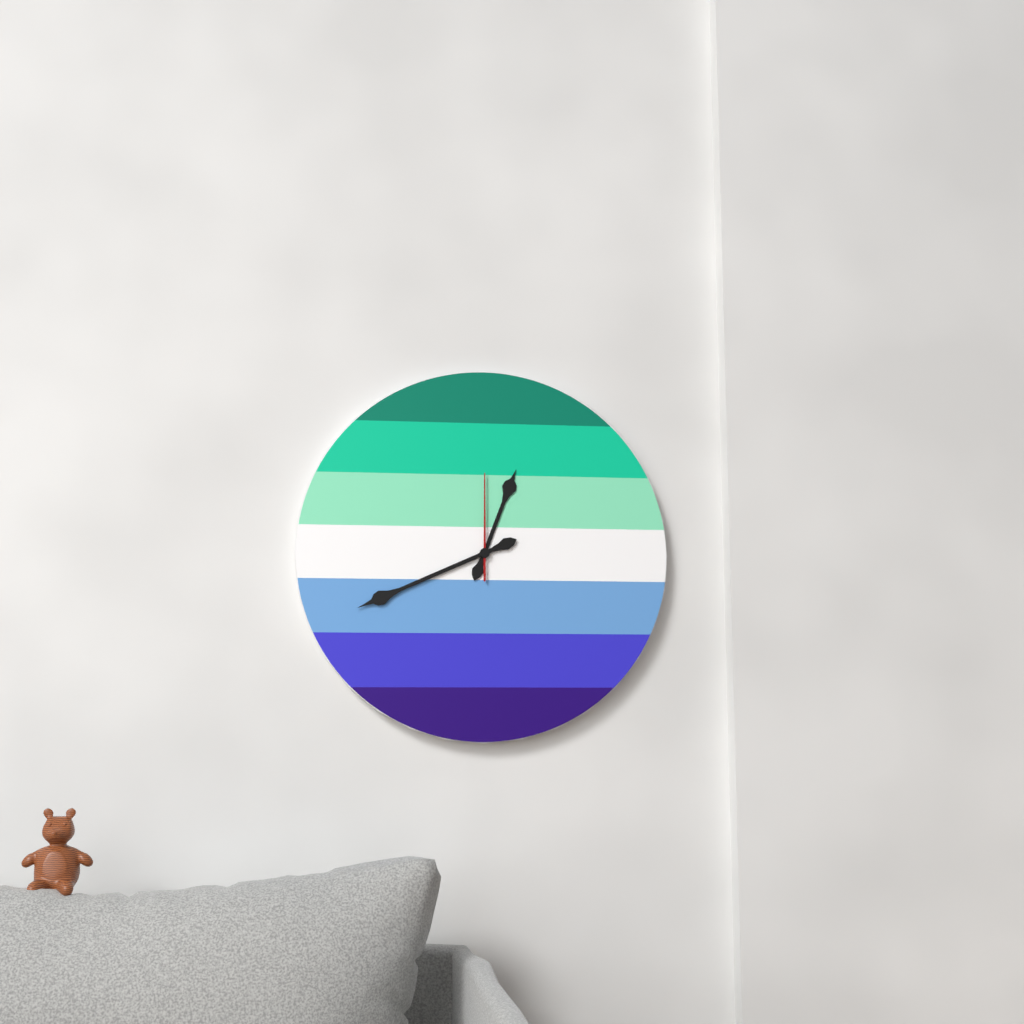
12:41:00
